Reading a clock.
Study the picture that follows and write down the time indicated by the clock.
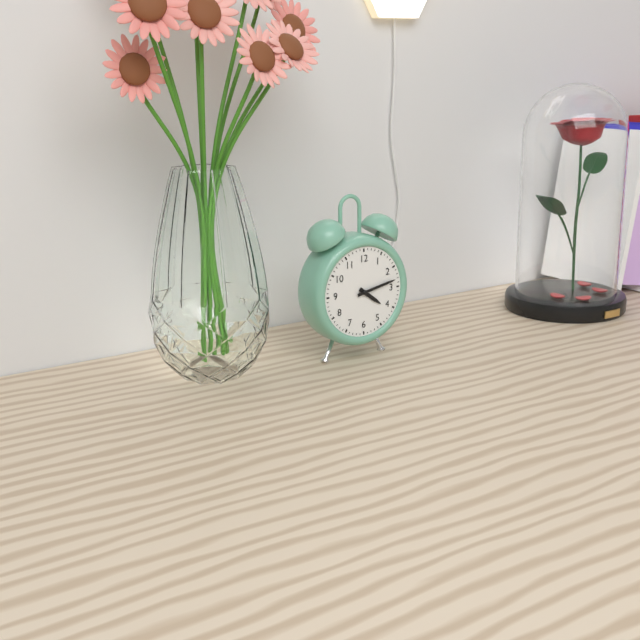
4:13
